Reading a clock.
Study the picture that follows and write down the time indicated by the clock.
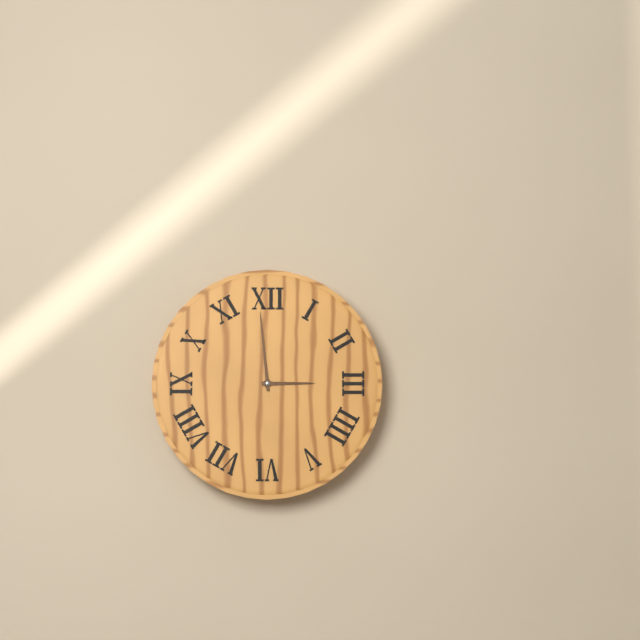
2:59
